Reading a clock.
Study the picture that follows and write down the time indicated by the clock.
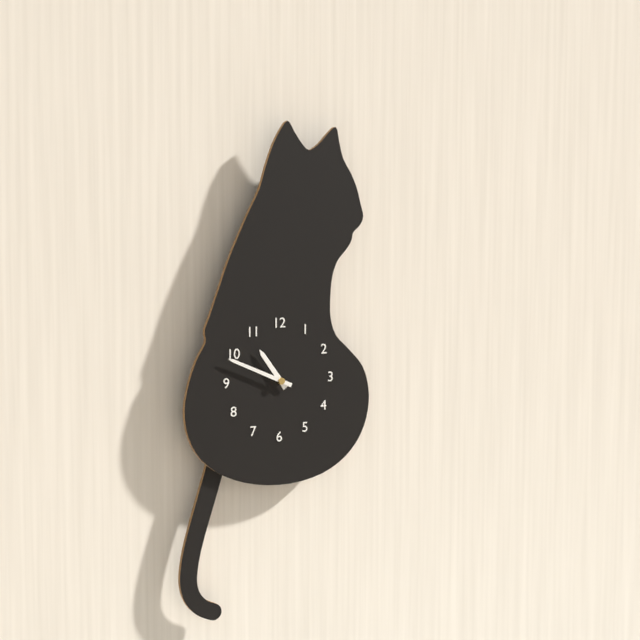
10:49
